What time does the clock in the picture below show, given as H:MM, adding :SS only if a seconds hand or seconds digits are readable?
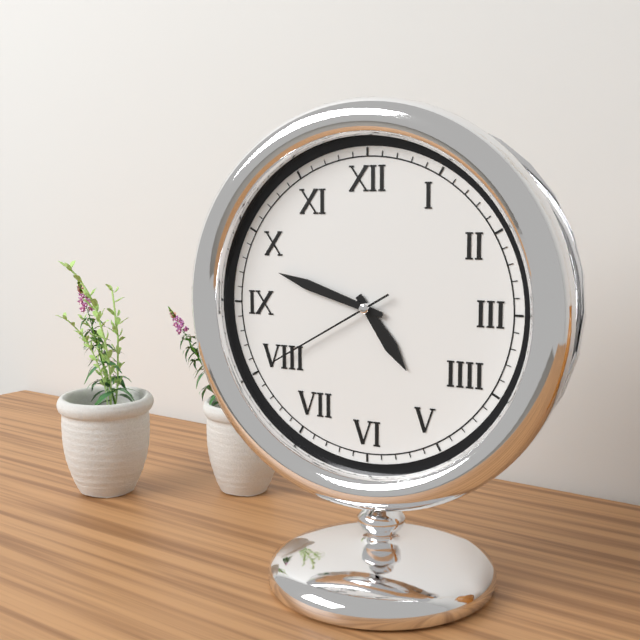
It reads 4:48:40
